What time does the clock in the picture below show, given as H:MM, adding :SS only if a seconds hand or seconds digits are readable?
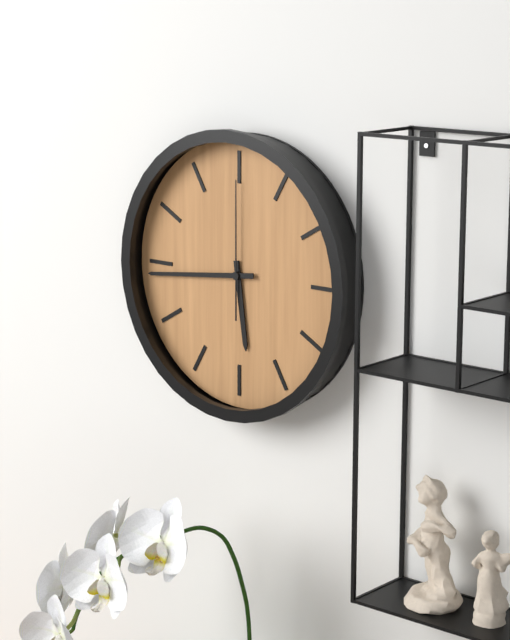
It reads 5:44:00
